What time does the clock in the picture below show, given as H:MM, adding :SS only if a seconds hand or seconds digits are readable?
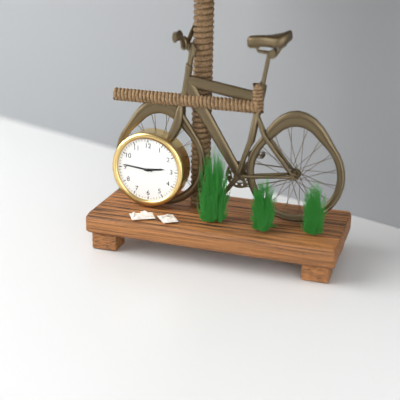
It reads 2:46
